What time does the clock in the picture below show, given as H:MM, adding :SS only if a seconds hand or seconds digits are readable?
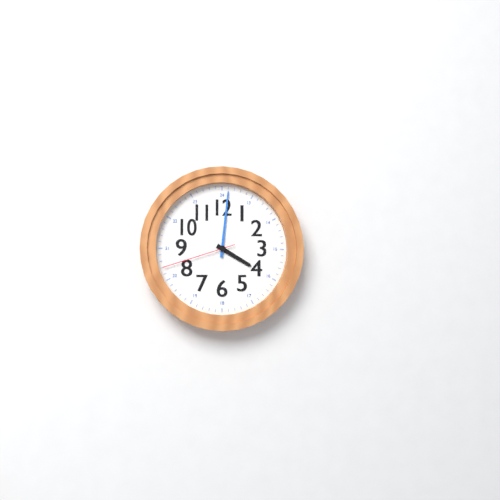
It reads 4:01:42
